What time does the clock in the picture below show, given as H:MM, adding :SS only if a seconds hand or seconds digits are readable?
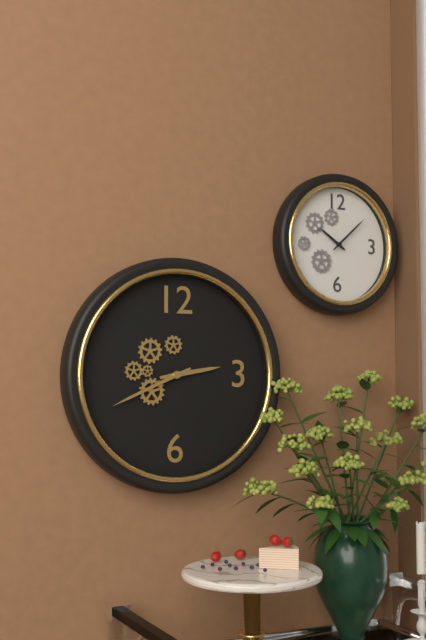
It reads 2:41
